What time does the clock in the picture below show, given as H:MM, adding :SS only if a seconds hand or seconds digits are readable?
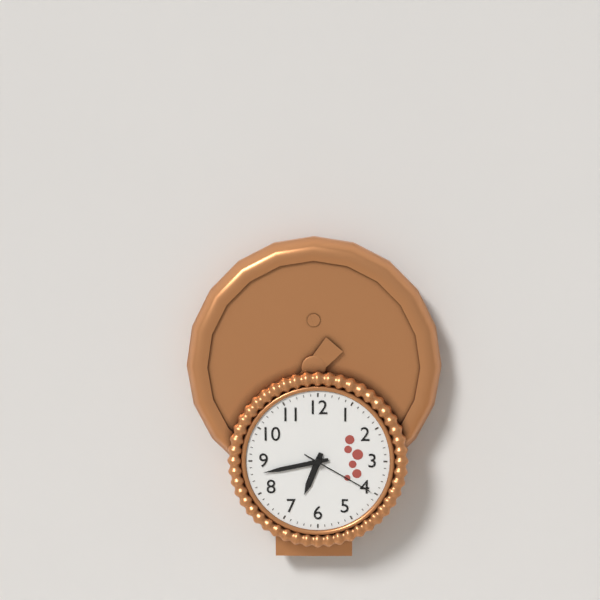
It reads 6:43:20
